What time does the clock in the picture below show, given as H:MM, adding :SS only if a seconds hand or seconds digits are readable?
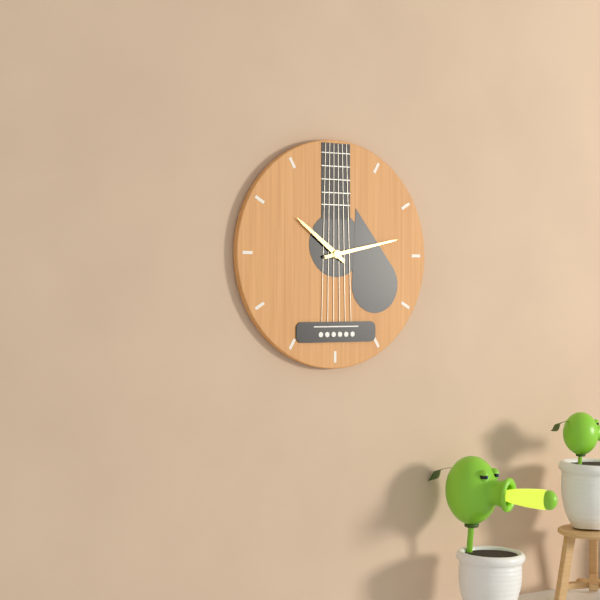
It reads 10:13
